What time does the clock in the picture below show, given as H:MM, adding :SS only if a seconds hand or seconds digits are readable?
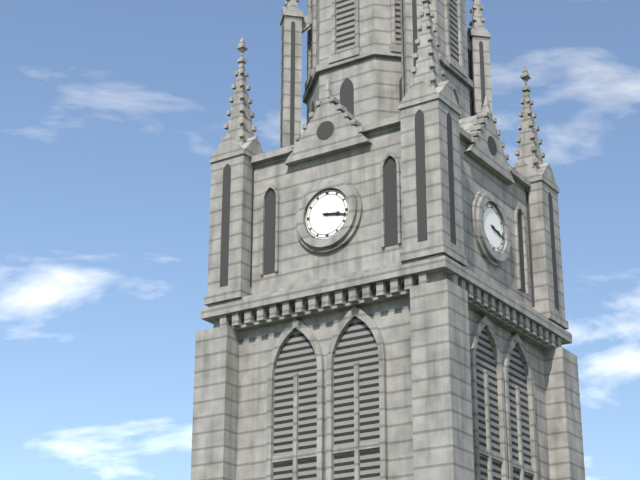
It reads 3:17
